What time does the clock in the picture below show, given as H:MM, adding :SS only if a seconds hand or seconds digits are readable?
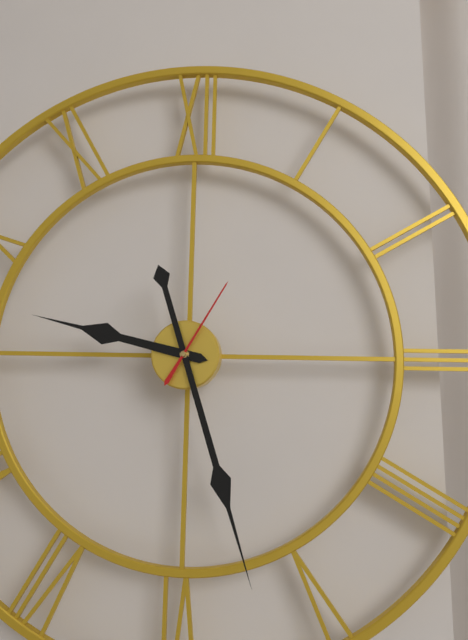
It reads 9:27:05
